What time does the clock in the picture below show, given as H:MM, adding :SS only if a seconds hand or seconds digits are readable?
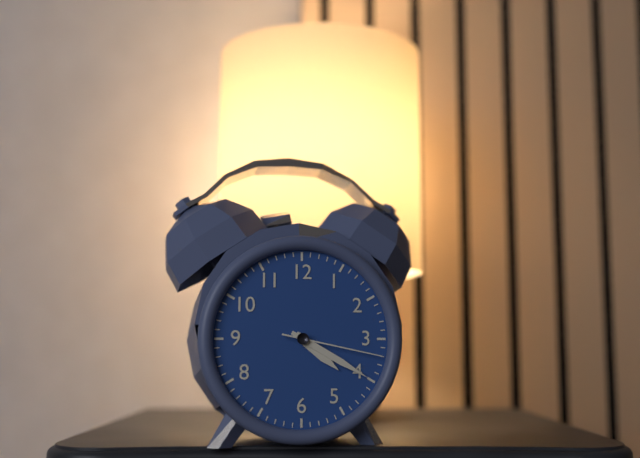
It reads 4:20:17
